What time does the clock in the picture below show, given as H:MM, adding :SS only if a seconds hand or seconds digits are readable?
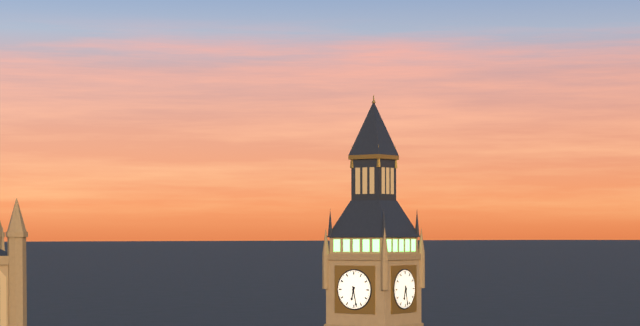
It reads 6:28
